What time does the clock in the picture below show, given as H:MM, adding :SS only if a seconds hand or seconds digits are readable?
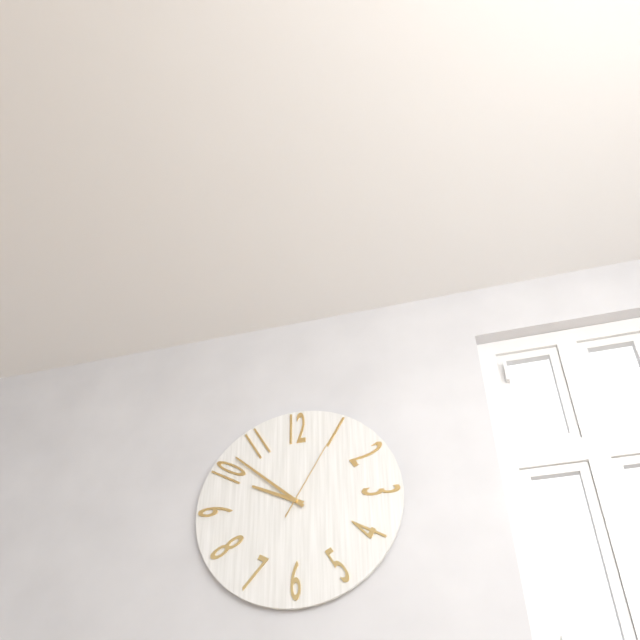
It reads 9:52:05
